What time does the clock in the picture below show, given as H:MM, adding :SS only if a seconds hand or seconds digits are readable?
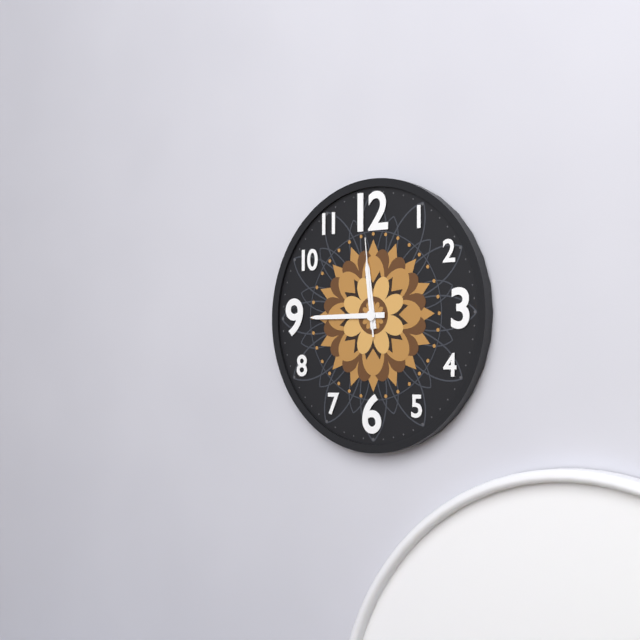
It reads 11:45:59
